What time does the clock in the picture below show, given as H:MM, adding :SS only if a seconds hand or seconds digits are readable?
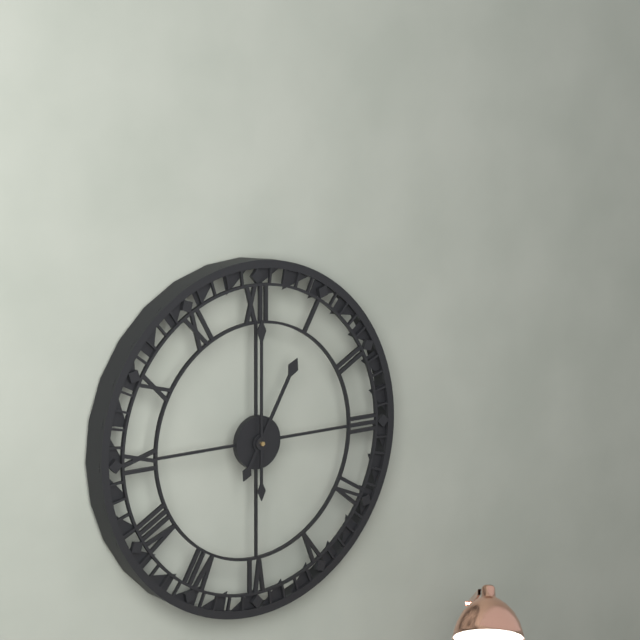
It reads 1:00
